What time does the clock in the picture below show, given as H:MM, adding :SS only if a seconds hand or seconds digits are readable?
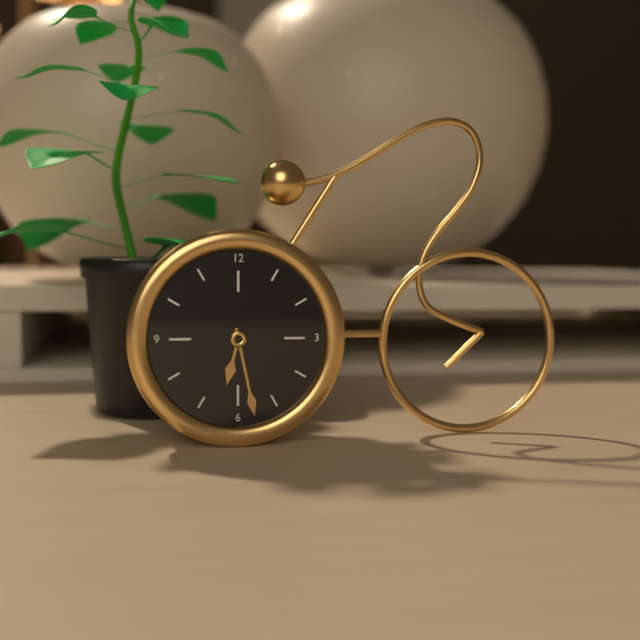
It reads 6:28
